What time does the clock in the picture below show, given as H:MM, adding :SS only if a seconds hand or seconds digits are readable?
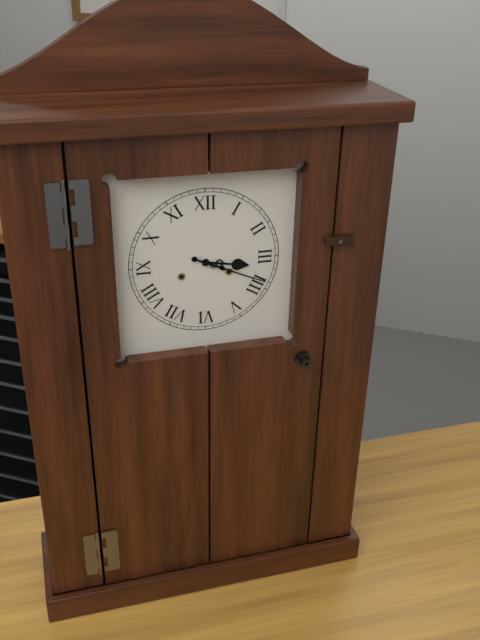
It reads 3:19
